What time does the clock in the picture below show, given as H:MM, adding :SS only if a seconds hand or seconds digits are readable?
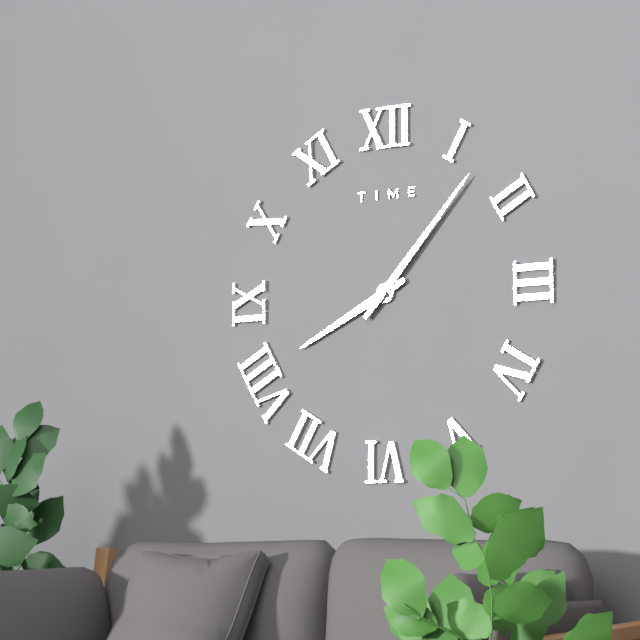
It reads 8:07
